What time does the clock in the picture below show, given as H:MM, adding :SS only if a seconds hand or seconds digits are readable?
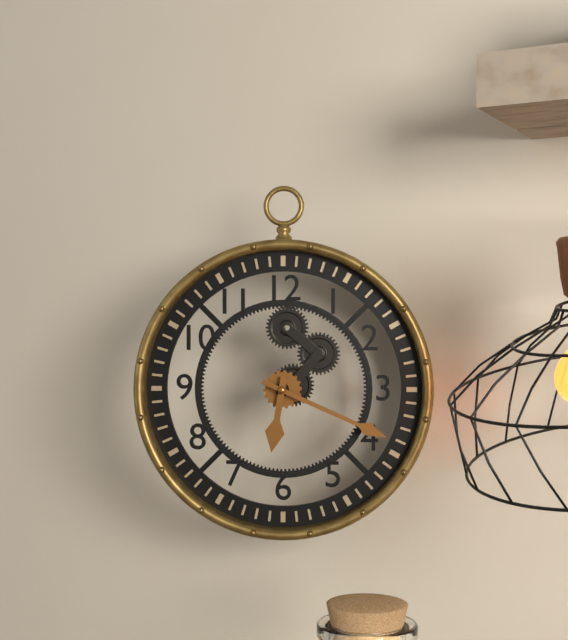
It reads 6:19
